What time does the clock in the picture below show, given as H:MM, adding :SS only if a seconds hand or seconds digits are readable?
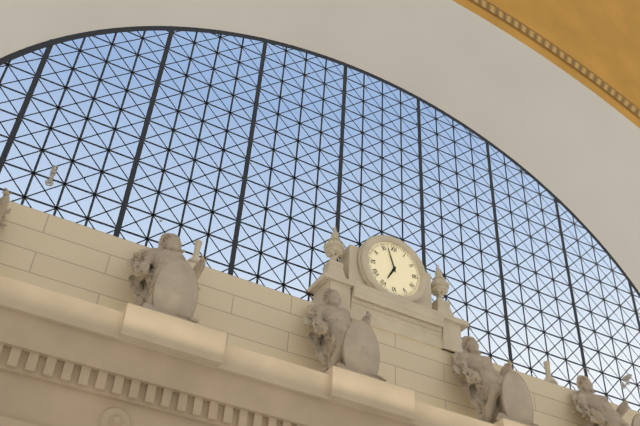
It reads 6:57
